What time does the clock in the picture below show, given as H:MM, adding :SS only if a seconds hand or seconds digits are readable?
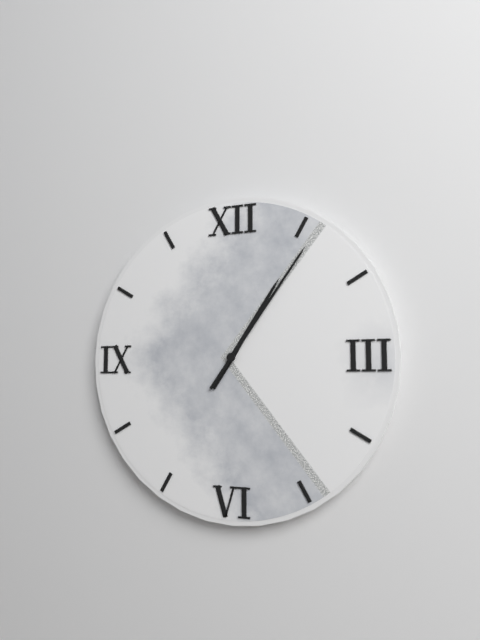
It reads 1:06
